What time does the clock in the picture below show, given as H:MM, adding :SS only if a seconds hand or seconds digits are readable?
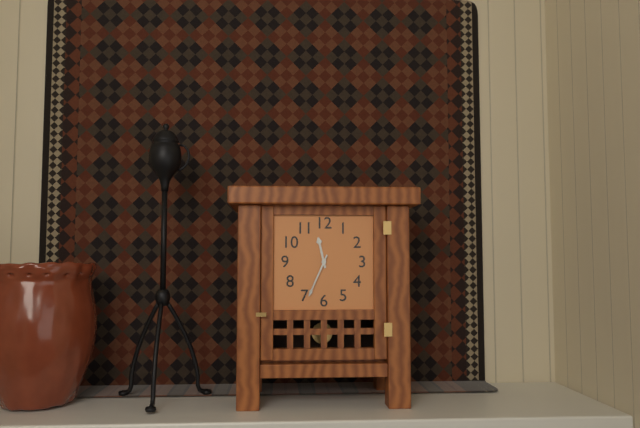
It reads 11:34
